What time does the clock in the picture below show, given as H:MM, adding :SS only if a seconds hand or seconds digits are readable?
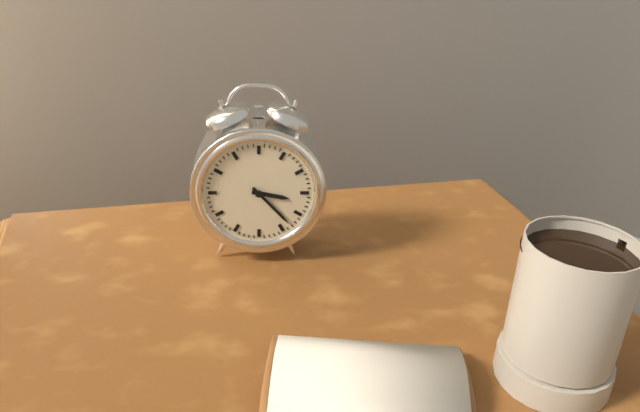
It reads 3:23
